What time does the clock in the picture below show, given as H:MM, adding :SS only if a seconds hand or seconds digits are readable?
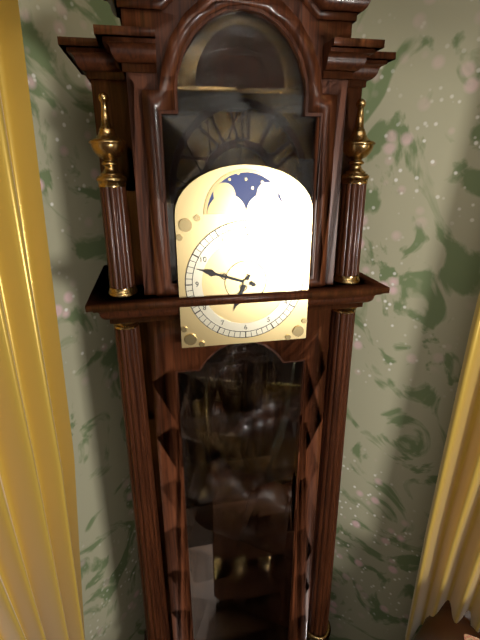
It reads 6:48
